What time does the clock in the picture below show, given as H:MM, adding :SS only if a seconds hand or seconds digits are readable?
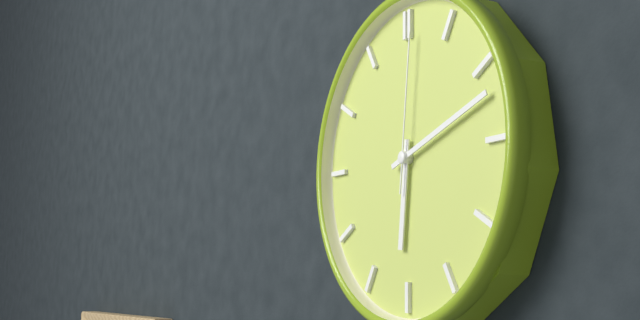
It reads 6:12:01
